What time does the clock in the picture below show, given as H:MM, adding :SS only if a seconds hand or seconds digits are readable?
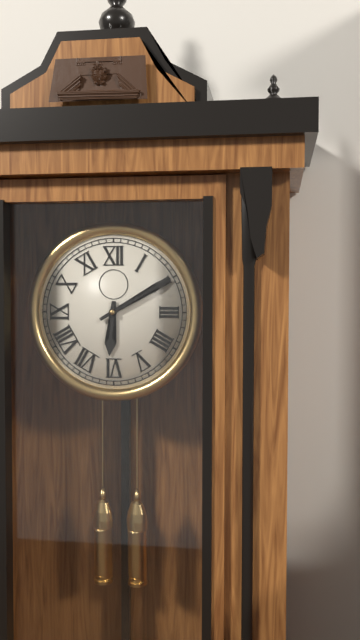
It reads 6:10
